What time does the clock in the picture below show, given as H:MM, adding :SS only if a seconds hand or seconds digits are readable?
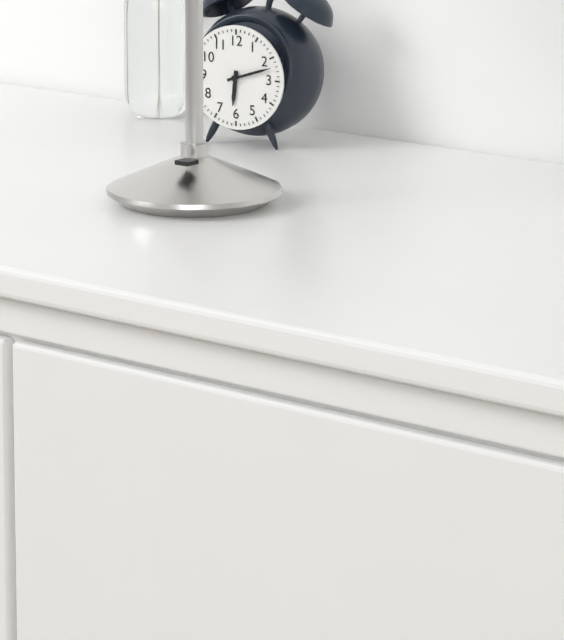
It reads 6:12
